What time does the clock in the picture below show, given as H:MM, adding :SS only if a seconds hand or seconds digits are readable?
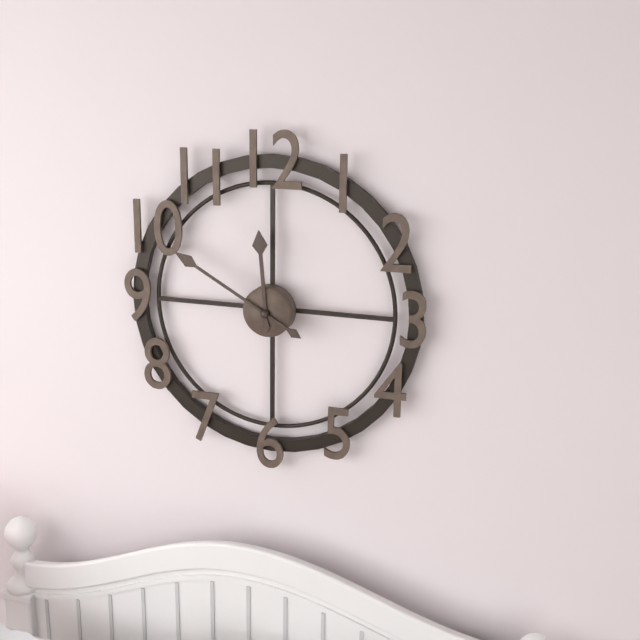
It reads 11:50
